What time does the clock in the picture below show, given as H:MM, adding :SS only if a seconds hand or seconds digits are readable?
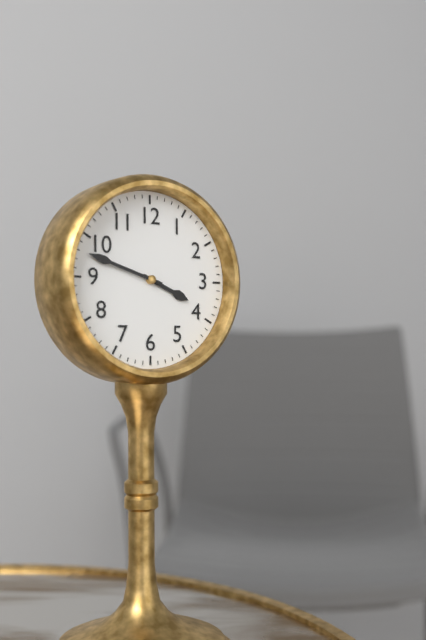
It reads 3:48
